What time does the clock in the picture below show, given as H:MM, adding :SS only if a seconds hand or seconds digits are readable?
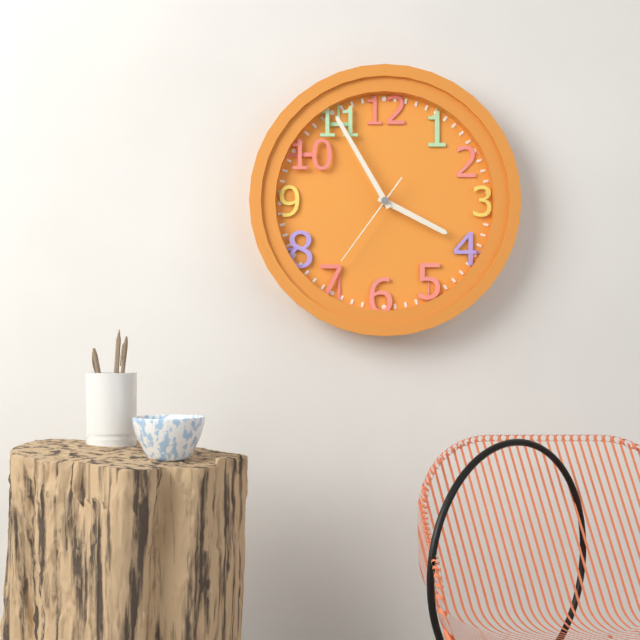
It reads 3:55:36
